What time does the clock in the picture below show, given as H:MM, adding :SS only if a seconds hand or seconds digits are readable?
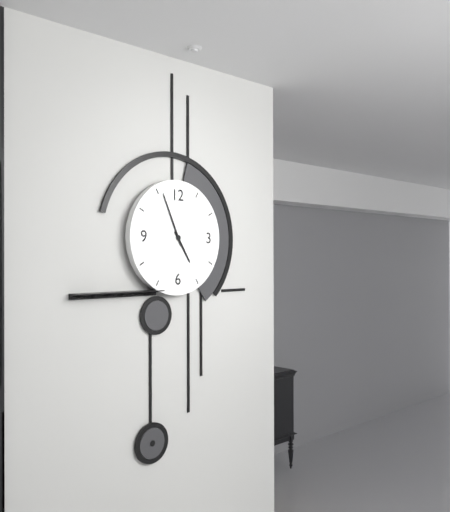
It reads 4:56
